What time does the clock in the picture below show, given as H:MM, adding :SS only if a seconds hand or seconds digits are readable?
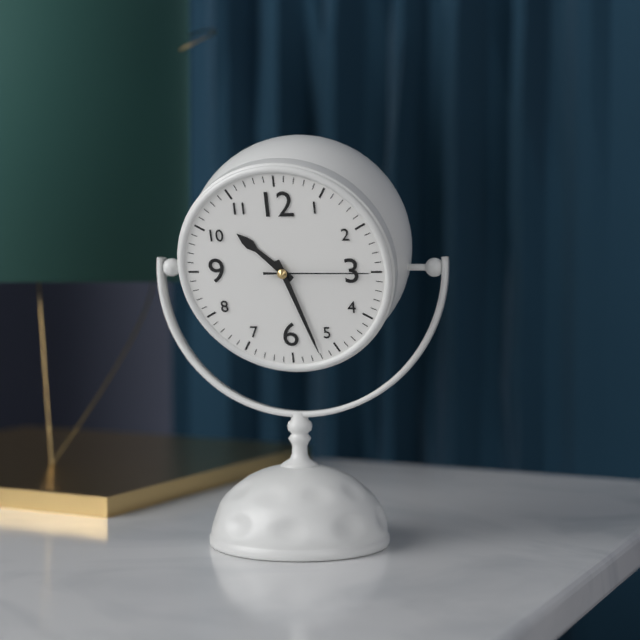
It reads 10:27:15
